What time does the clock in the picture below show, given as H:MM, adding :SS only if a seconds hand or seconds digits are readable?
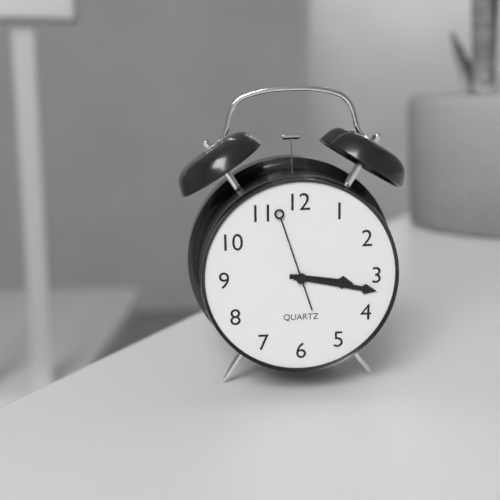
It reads 3:17:57
